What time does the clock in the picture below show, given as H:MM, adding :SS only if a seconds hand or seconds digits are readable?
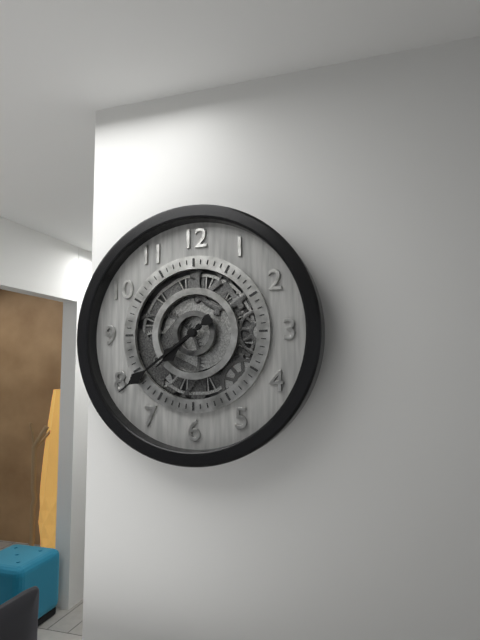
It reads 7:39
